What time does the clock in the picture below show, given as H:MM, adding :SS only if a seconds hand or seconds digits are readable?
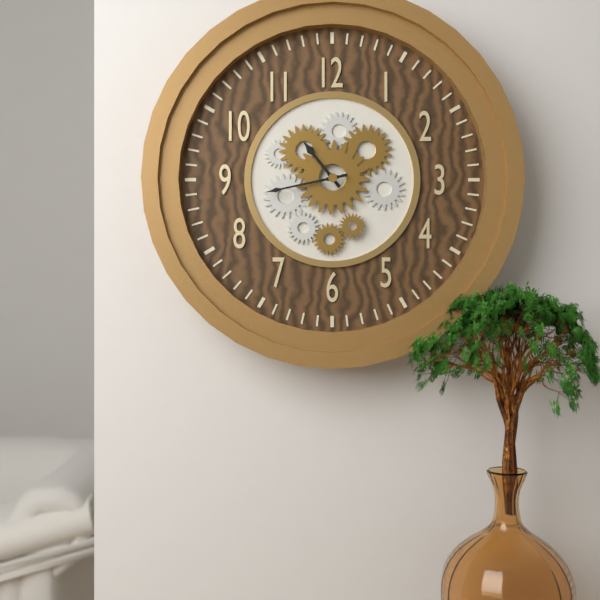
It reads 10:43
